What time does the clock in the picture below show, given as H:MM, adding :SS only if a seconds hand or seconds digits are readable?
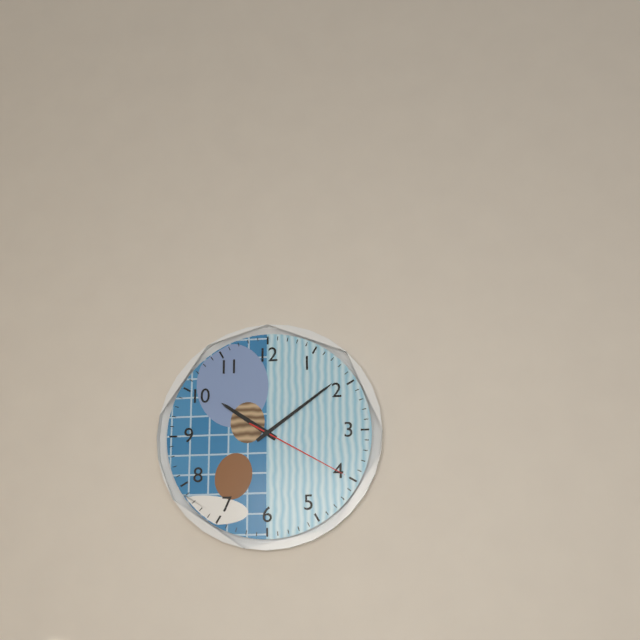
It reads 10:09:20
